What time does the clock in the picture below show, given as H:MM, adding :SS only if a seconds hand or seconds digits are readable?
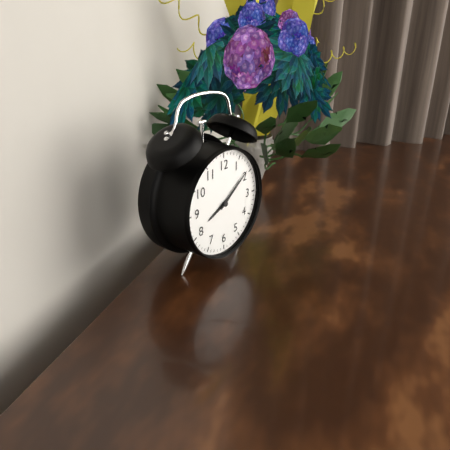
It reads 8:09
